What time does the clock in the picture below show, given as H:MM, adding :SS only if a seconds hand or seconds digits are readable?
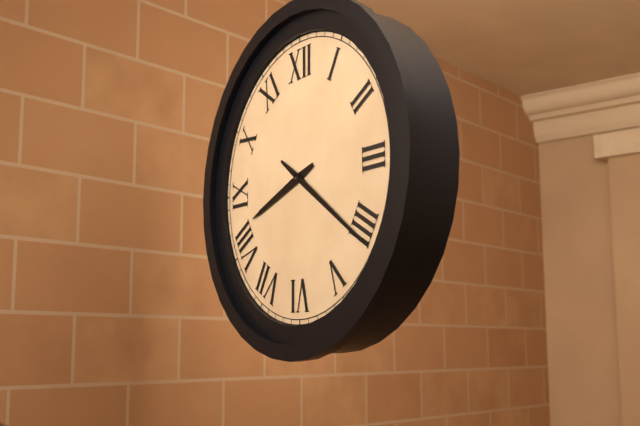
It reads 8:21
